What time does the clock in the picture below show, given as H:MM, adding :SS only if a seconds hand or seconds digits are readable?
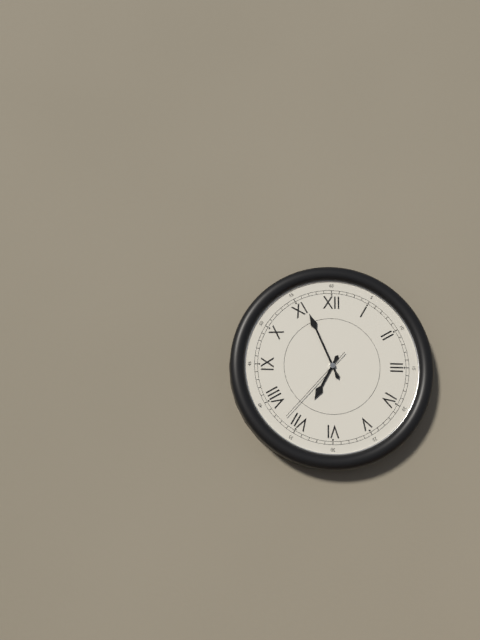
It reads 6:56:37
